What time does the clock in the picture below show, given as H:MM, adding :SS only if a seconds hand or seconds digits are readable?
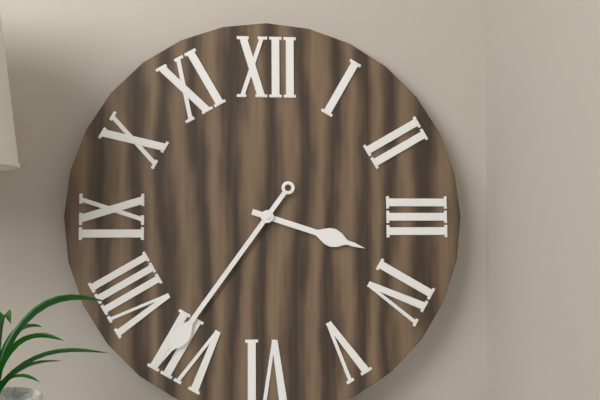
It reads 3:36
